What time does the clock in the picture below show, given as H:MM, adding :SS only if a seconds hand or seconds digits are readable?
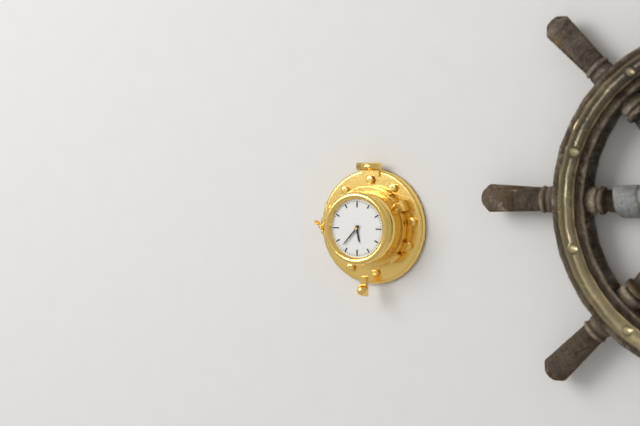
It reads 5:37
